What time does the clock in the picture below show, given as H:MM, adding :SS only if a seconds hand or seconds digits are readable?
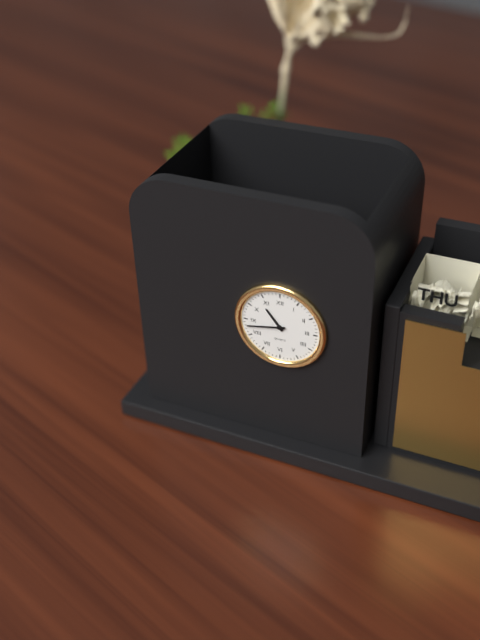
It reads 10:43
